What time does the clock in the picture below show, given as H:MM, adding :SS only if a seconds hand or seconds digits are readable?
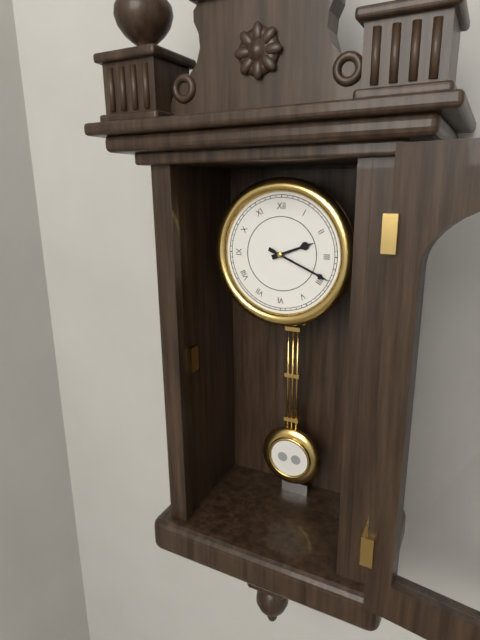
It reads 2:19
